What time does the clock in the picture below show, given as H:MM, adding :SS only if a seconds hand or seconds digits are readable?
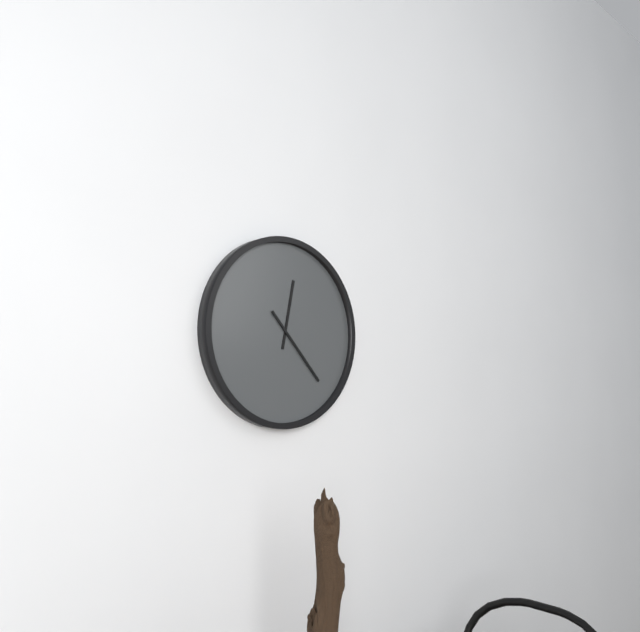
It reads 12:23
